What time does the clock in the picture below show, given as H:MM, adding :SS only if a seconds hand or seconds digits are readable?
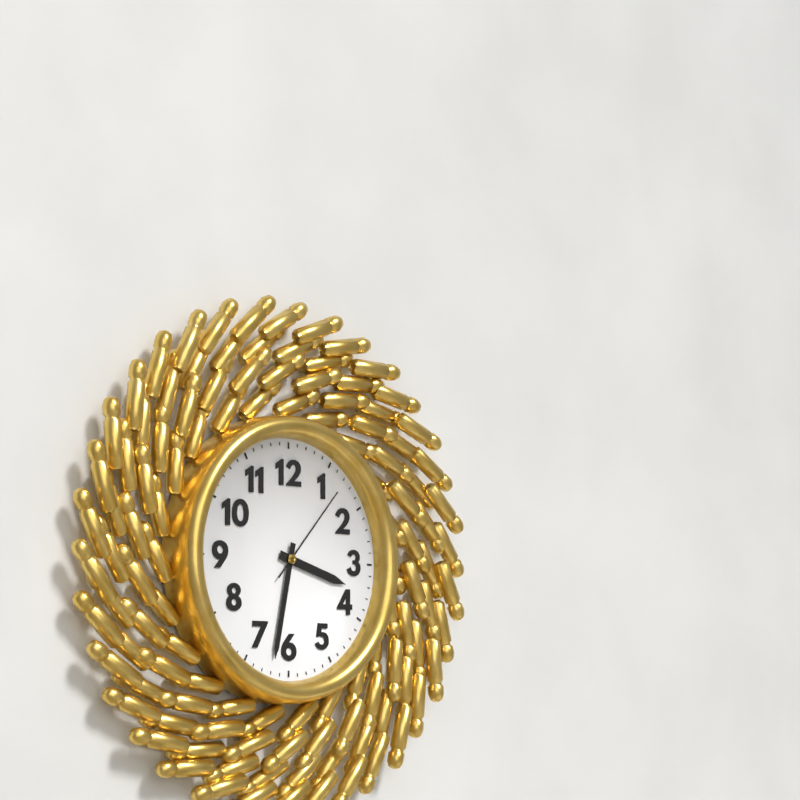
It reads 3:32:07
